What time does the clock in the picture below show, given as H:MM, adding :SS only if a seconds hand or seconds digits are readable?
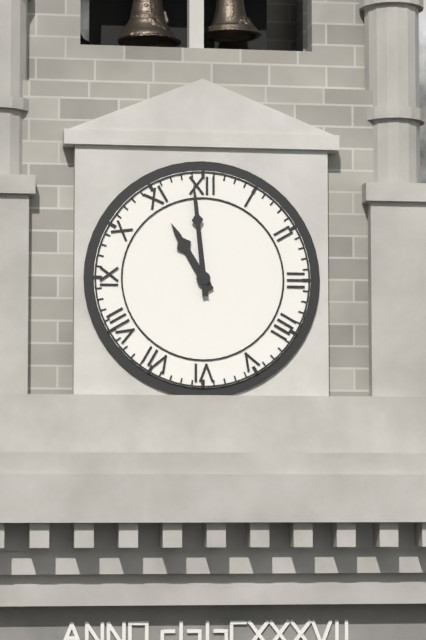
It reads 10:59
